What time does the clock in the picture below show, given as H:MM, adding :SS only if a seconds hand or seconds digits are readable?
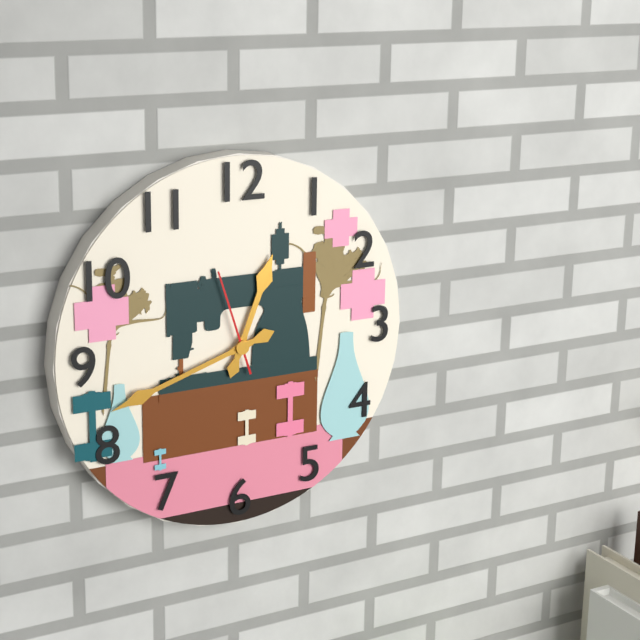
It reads 12:42:57
